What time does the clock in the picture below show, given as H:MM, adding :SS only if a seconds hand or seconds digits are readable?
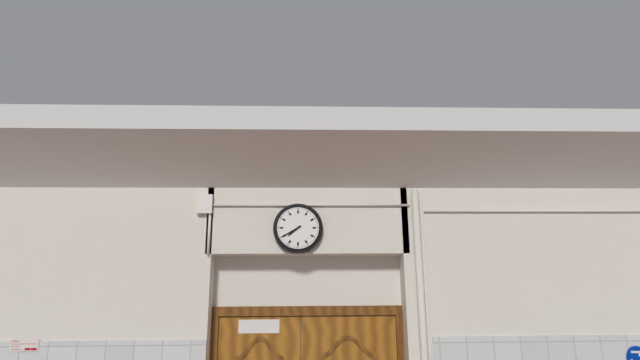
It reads 7:40
